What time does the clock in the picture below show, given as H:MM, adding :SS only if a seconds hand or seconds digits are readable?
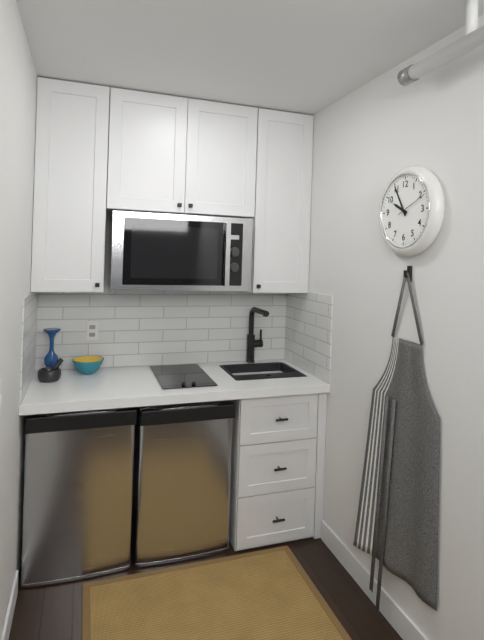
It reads 9:55
